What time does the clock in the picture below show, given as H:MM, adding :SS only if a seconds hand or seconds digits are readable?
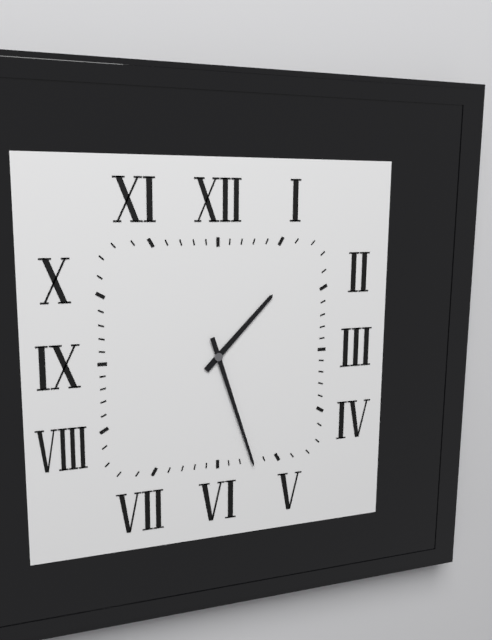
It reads 1:27
